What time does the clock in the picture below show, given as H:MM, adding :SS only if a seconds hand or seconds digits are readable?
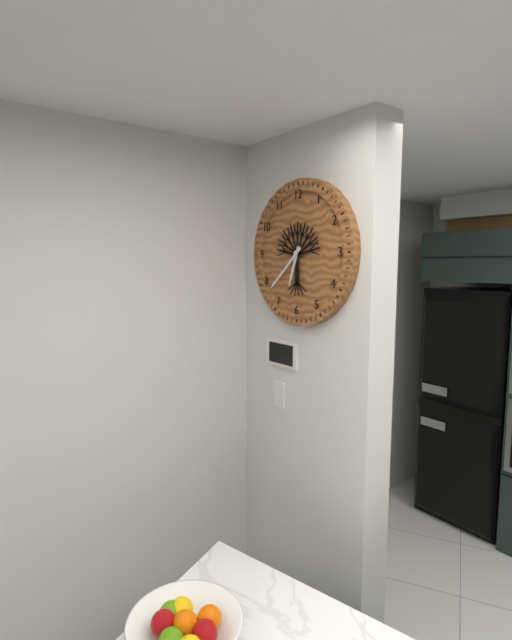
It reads 6:38
